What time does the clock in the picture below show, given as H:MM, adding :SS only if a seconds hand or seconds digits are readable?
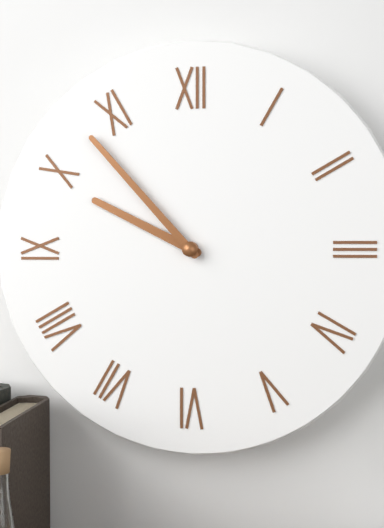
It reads 9:53
